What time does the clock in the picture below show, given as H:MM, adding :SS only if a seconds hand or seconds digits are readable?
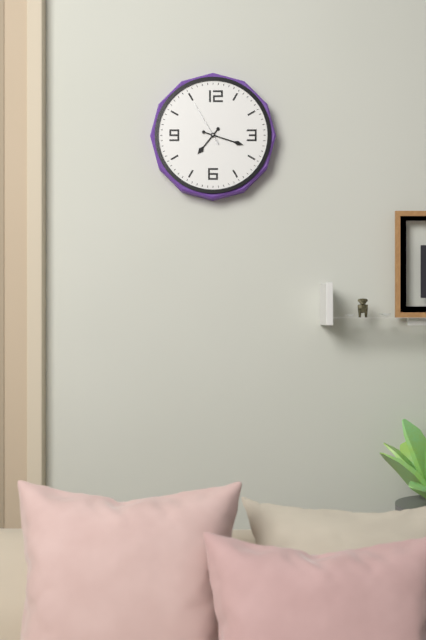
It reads 7:18
